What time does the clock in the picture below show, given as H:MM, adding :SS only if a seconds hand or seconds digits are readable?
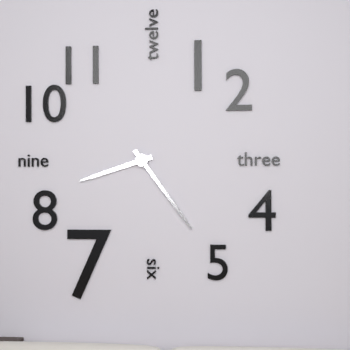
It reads 8:24
